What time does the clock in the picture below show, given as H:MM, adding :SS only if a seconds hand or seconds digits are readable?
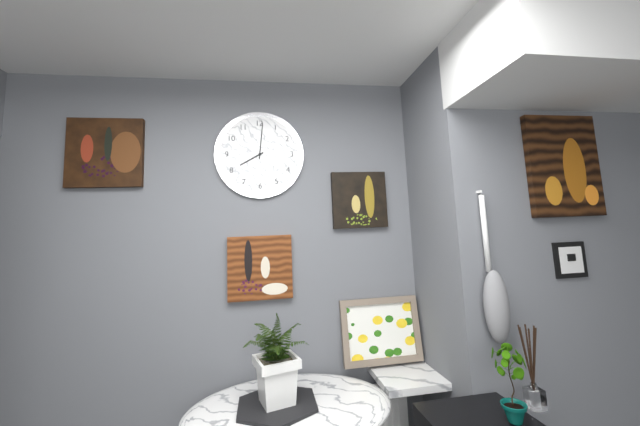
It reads 8:01
